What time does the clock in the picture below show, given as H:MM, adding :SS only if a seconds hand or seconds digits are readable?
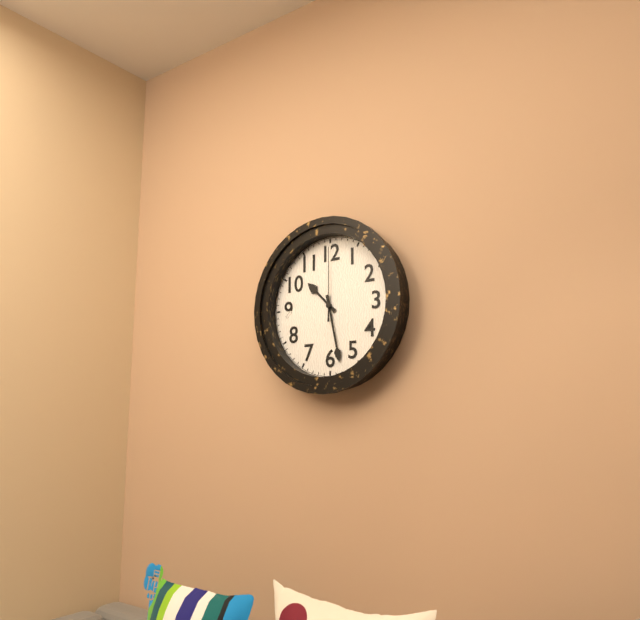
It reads 10:28:00
